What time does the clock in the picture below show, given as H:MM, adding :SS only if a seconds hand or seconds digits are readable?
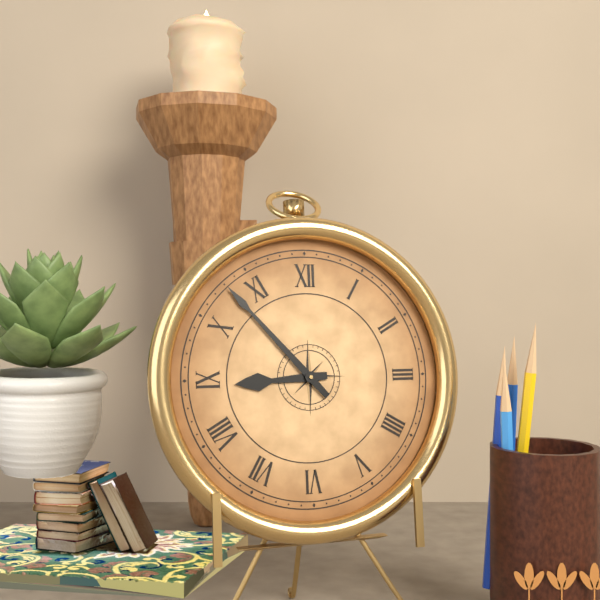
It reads 8:53
